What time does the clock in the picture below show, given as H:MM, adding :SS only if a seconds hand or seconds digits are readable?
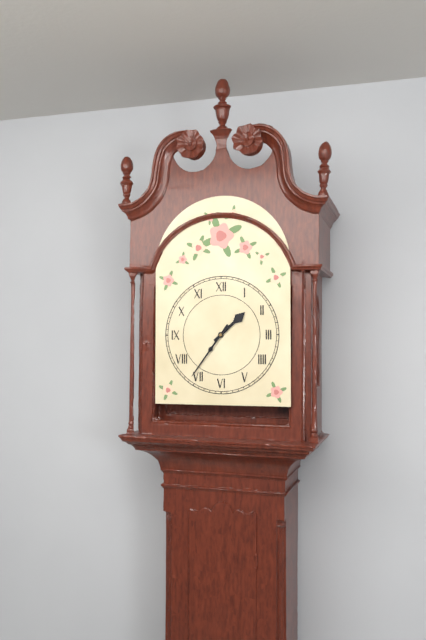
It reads 1:36
